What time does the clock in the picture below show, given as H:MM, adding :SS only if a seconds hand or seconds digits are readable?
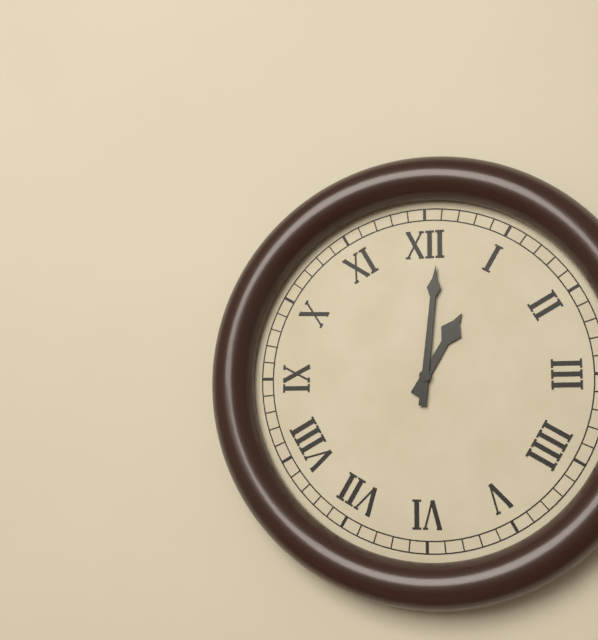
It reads 1:01
